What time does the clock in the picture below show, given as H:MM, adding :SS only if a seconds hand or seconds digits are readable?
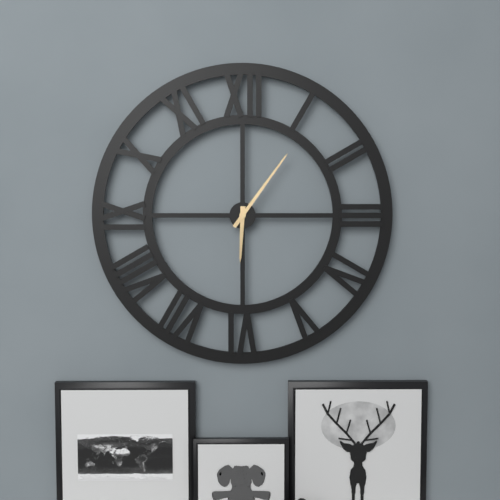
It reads 6:06
